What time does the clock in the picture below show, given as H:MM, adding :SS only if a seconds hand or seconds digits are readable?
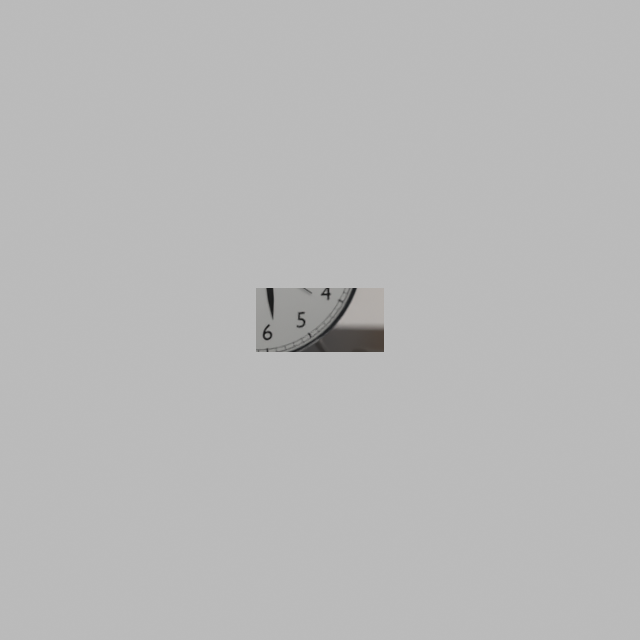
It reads 5:49:21
